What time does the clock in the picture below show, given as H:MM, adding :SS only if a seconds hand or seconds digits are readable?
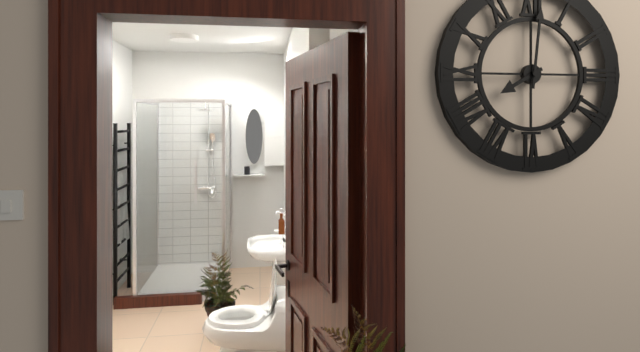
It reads 8:01
